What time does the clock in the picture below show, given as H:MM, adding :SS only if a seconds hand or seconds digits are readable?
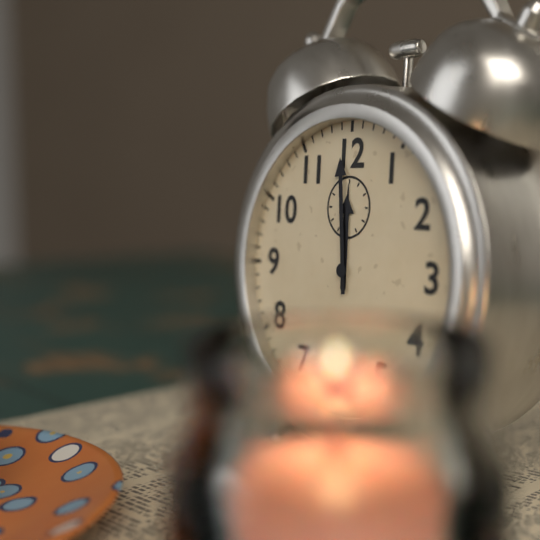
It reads 11:59
